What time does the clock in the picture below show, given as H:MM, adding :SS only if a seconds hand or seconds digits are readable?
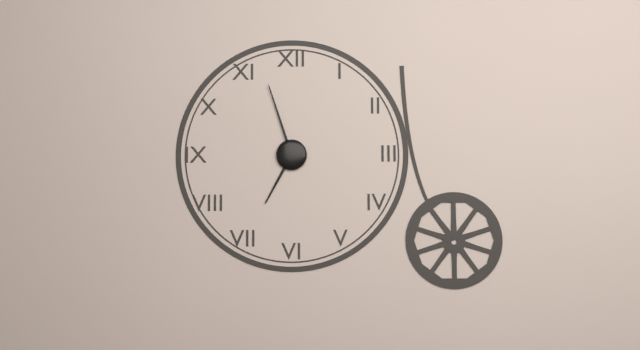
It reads 6:57
